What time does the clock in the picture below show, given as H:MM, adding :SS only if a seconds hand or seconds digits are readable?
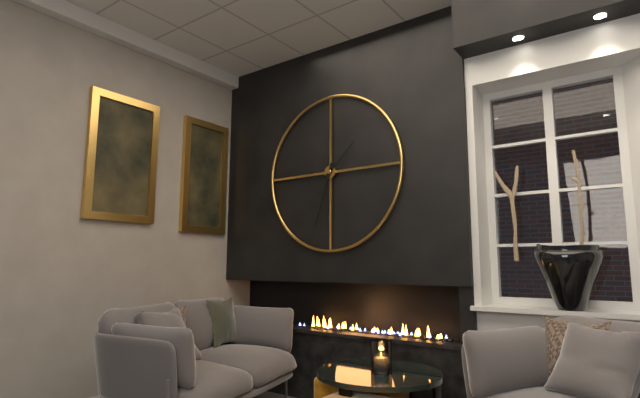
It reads 1:33
